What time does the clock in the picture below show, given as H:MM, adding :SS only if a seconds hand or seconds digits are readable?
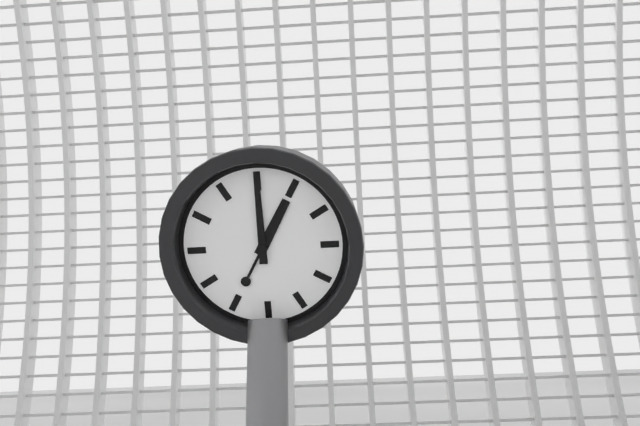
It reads 1:00
